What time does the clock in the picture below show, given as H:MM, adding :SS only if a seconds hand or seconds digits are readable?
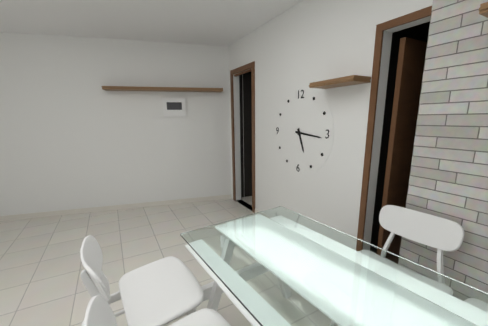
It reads 5:16
